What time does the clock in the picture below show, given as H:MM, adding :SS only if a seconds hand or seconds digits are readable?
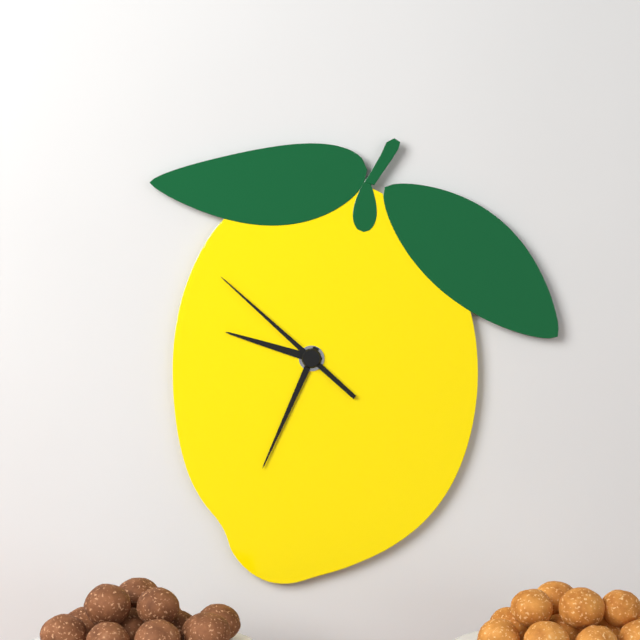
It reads 9:34:52
